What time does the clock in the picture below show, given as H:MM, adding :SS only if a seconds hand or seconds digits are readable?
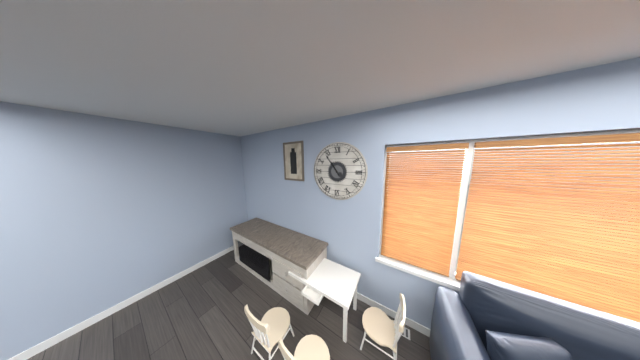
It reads 10:54
